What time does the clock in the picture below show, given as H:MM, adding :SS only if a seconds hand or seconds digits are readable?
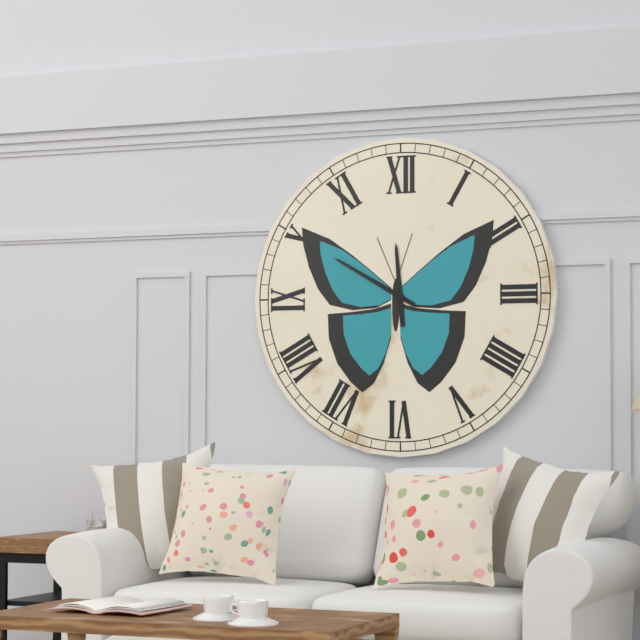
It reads 11:50
